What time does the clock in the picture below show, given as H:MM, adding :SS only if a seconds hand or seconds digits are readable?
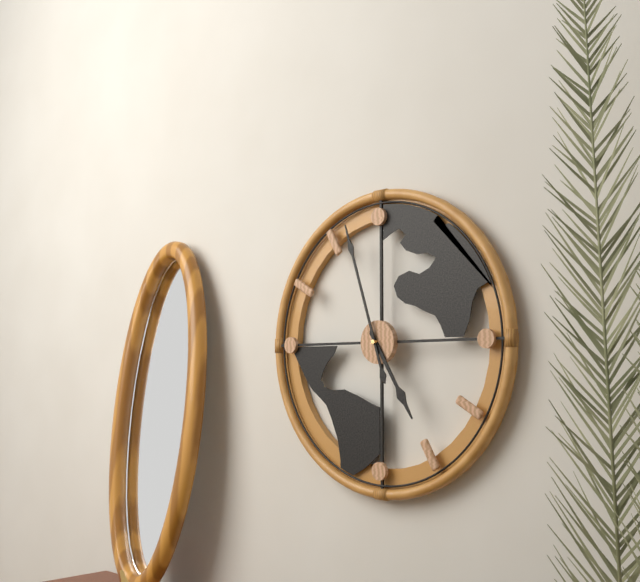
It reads 4:57
